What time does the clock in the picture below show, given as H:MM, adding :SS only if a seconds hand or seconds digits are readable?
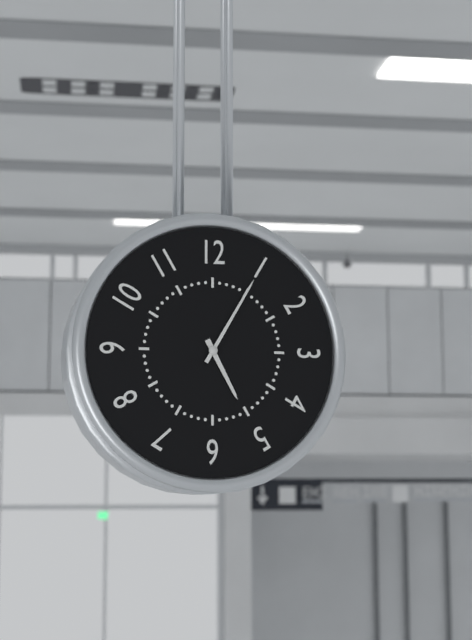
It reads 5:05
